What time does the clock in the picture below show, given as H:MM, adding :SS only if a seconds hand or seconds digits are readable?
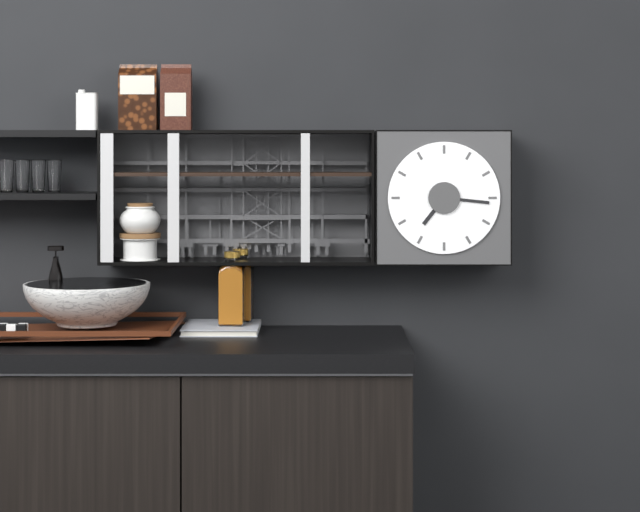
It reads 7:16
